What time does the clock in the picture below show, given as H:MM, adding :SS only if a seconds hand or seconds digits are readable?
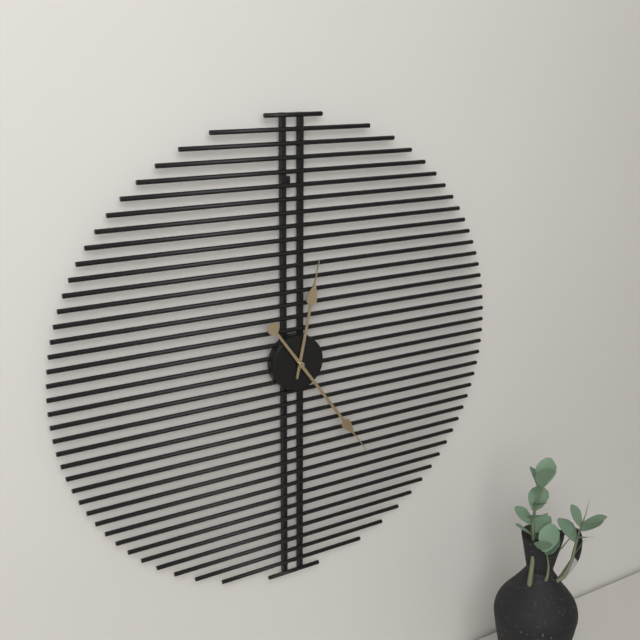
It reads 12:24
